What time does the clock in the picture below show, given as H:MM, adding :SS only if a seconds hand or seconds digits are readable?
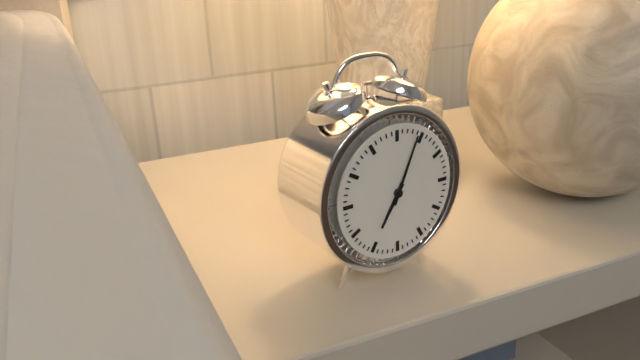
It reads 7:04
